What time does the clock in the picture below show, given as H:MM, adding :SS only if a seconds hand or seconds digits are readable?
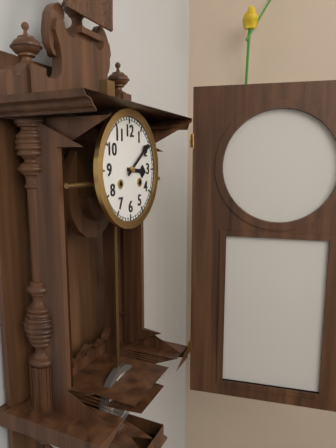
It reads 3:09
